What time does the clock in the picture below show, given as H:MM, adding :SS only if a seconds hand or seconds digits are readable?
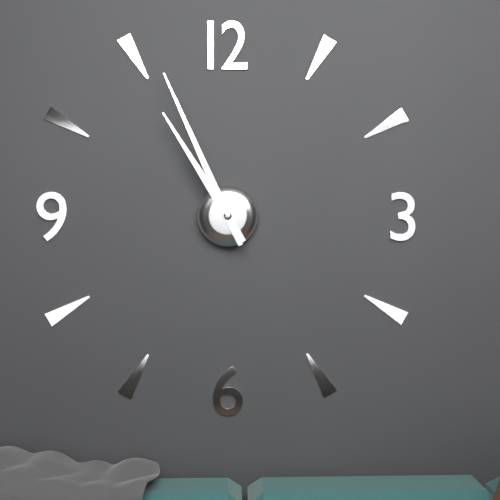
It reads 10:56
